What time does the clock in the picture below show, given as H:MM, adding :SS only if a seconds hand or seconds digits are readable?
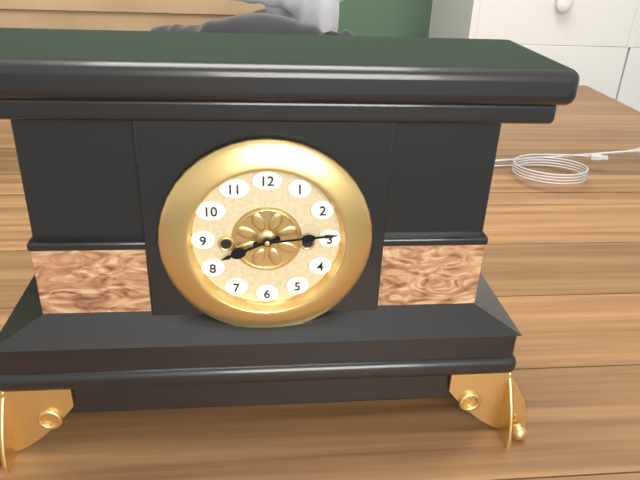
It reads 8:14
